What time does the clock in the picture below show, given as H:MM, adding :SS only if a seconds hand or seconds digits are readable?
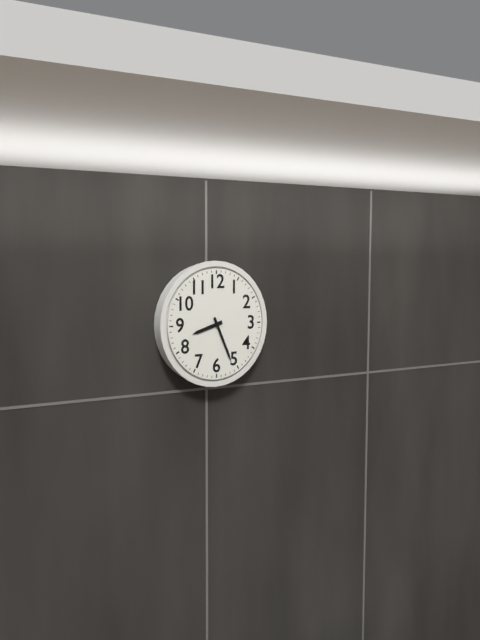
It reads 8:26
